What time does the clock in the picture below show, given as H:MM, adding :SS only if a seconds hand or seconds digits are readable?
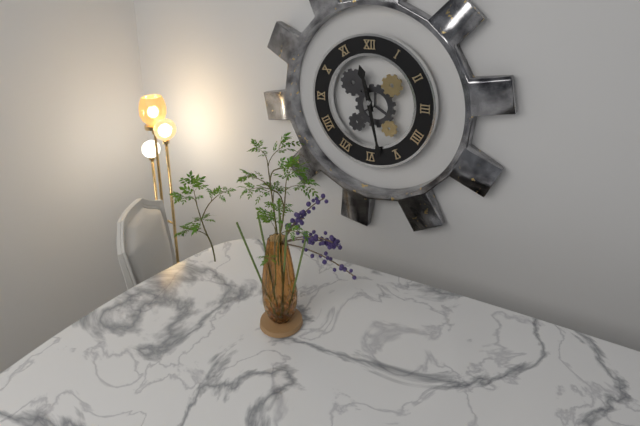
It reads 11:28
